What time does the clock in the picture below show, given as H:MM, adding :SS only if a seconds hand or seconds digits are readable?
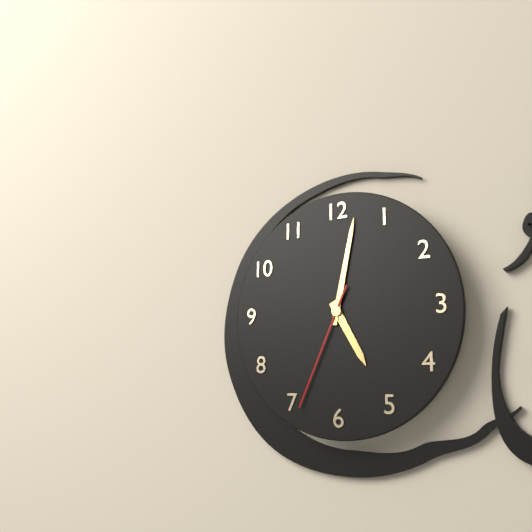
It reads 5:02:34
